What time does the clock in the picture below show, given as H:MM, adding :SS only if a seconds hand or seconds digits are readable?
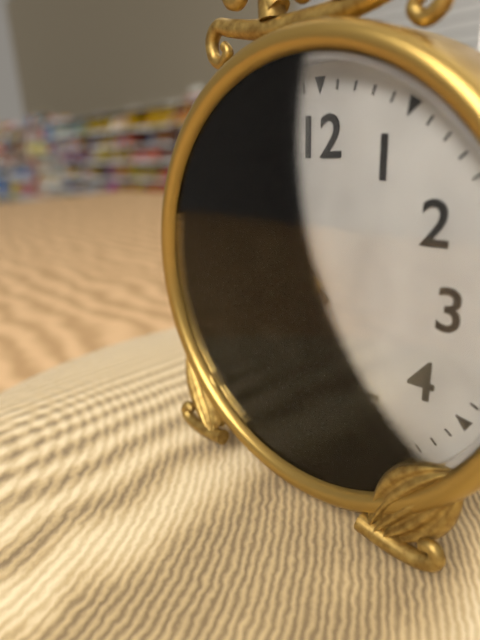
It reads 10:52
